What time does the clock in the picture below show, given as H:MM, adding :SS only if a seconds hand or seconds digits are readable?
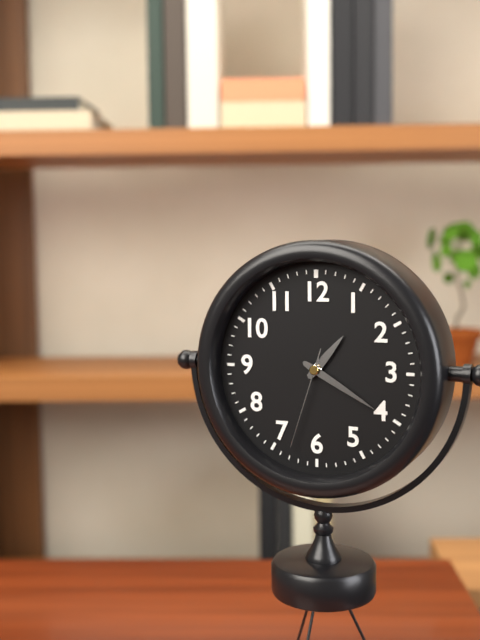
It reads 1:20:33
